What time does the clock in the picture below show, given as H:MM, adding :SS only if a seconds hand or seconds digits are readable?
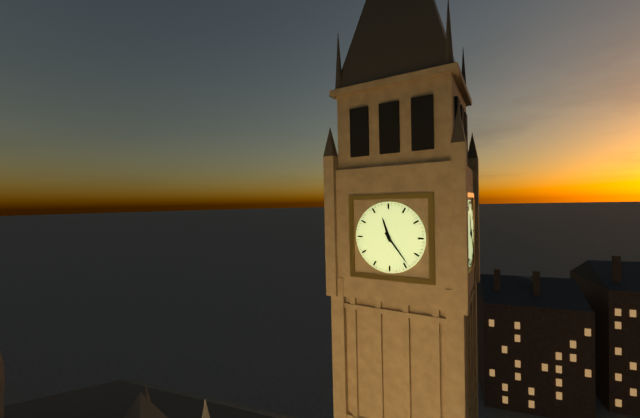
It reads 11:24
